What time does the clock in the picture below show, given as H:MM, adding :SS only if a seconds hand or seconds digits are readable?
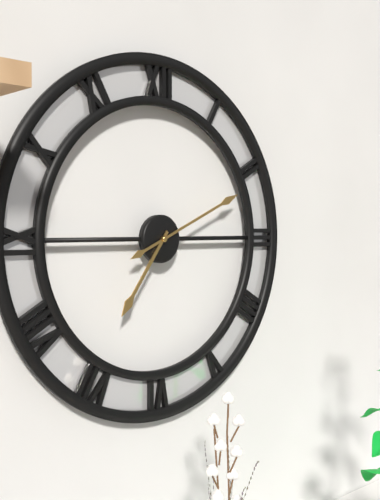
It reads 7:11
